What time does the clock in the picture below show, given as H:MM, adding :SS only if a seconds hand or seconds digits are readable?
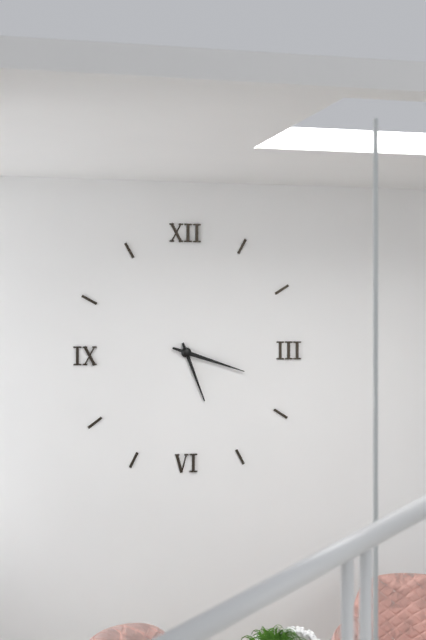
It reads 5:18
